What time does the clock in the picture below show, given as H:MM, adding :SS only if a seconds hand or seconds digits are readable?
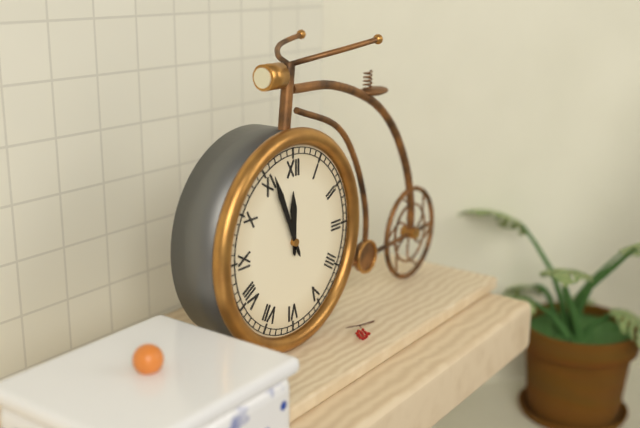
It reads 11:56
